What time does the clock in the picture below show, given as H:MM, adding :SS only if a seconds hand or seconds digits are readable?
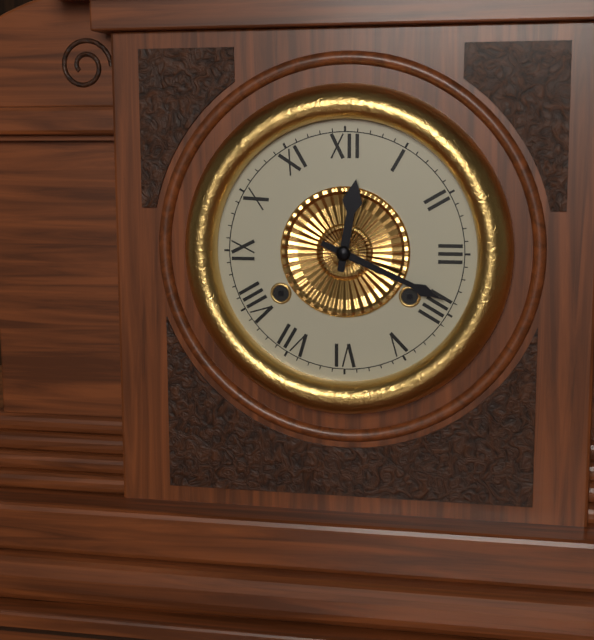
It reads 12:19
